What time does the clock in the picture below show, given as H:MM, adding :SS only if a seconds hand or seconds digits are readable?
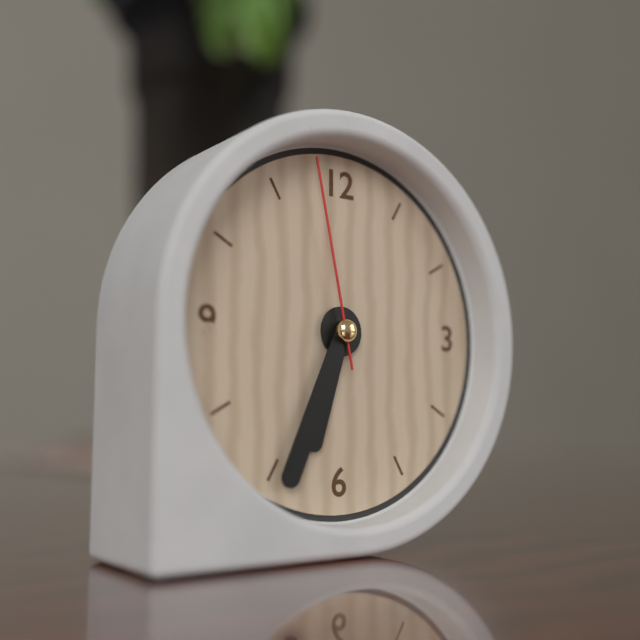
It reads 6:34:58
